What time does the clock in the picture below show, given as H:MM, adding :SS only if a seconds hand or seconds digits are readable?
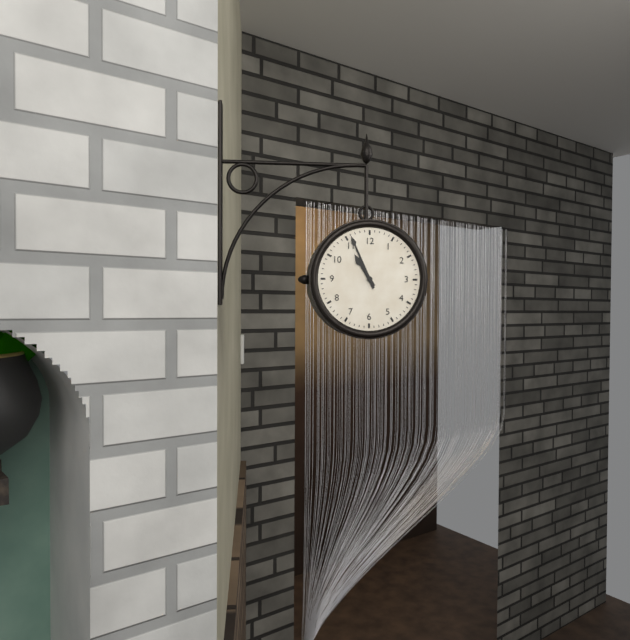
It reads 10:56
